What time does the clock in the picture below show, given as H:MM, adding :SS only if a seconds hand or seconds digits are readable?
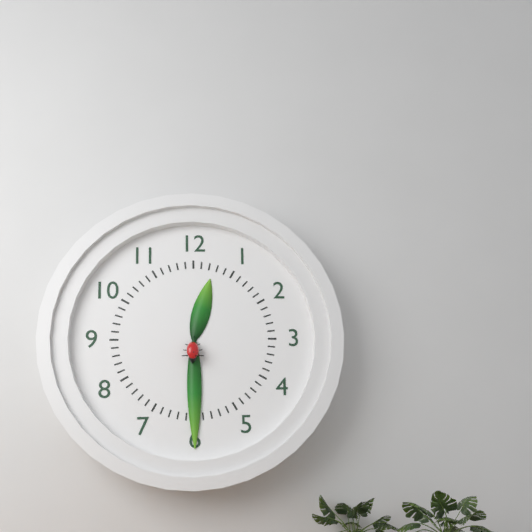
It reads 12:30
